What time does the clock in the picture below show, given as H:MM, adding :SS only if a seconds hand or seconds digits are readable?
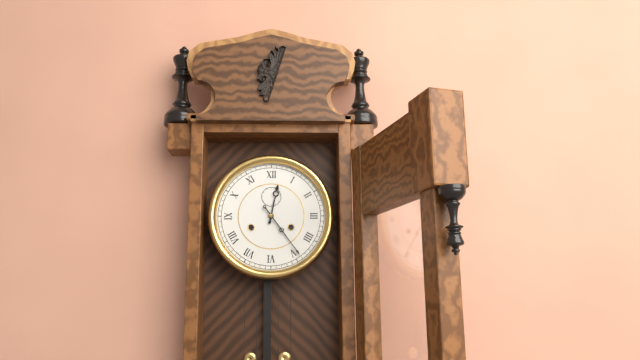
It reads 12:24
